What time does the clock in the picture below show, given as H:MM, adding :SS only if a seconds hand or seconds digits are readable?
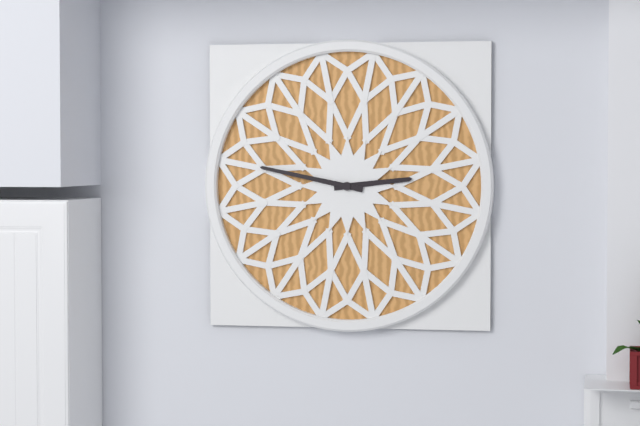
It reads 2:47
